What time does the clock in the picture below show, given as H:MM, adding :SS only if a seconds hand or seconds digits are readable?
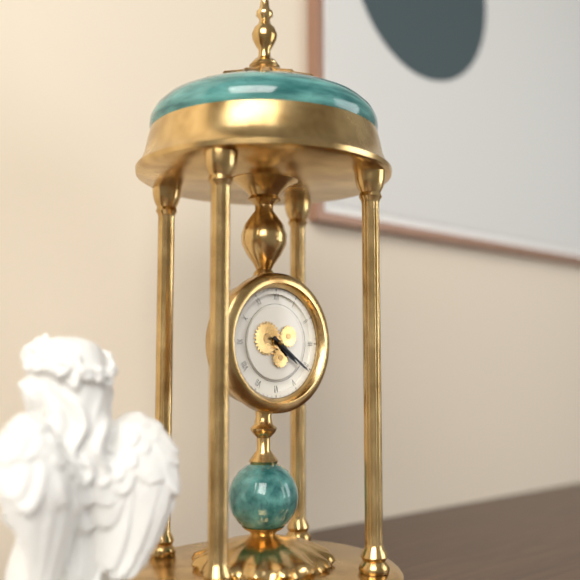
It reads 4:21
